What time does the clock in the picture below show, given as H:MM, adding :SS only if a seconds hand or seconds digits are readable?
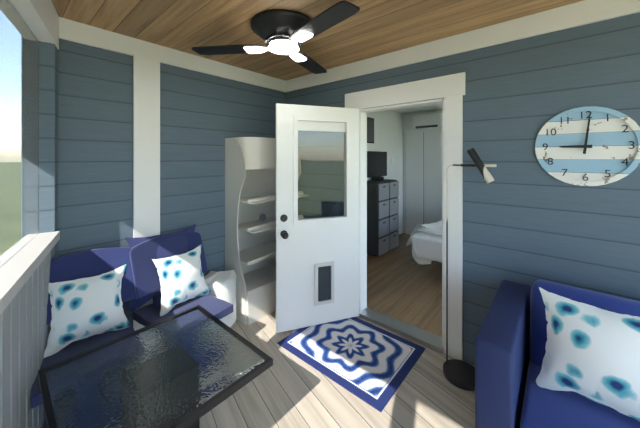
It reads 9:01
